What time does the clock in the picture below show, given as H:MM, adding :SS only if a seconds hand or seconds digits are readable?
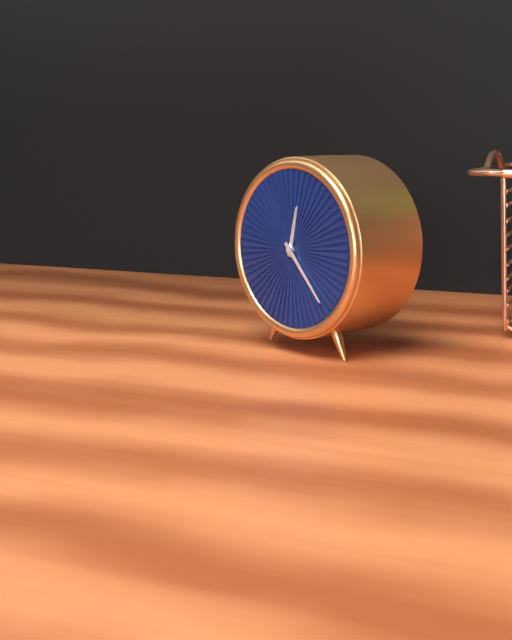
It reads 12:23
